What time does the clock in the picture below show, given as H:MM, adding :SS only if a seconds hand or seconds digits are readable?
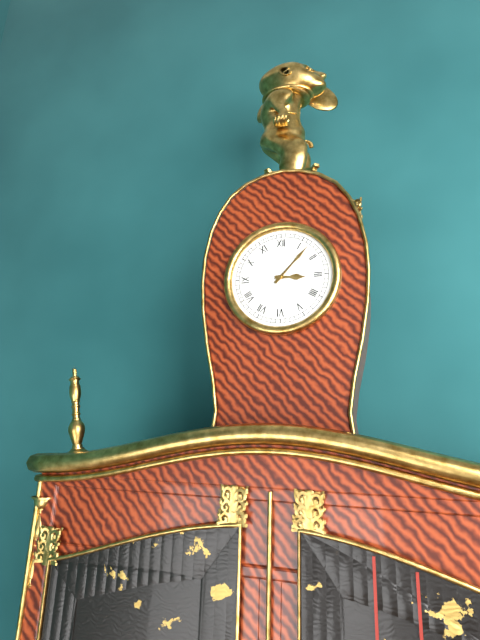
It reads 3:07
